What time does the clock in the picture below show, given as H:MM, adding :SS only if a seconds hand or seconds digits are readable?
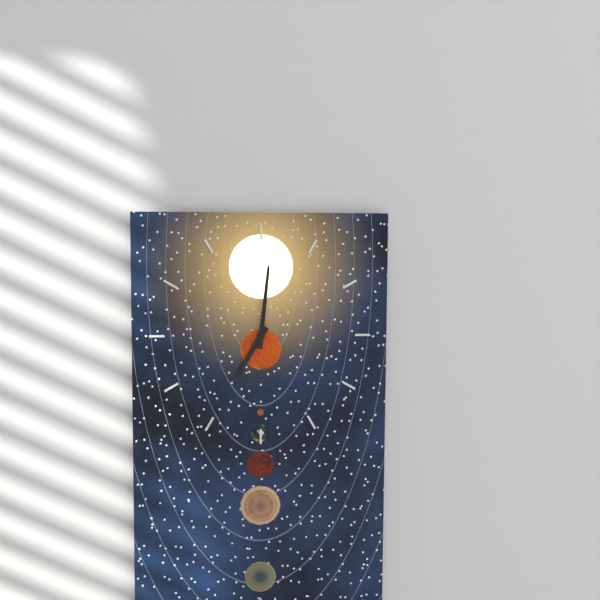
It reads 7:01
